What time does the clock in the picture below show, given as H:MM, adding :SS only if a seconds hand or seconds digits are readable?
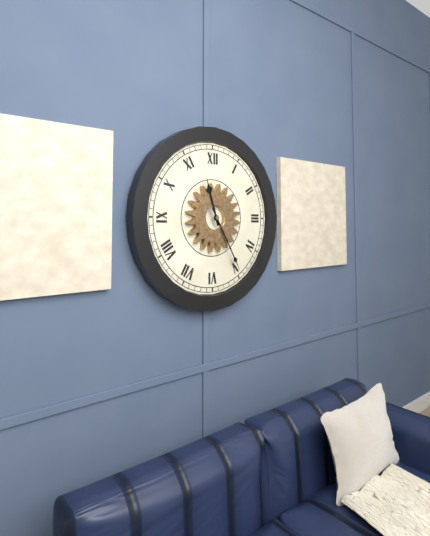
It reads 11:25
